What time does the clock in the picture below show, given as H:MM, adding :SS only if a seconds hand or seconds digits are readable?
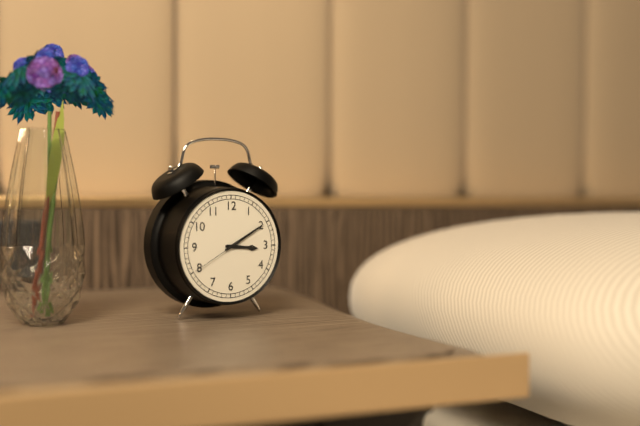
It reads 3:10:40
